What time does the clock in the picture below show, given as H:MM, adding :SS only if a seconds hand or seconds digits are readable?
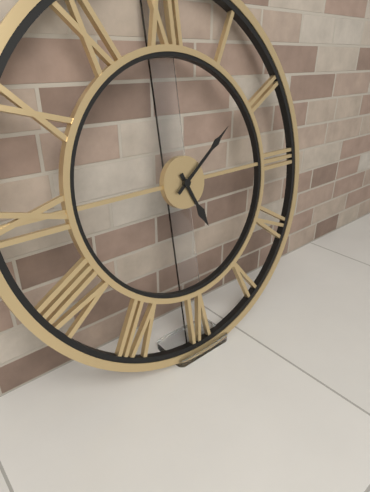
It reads 5:09
